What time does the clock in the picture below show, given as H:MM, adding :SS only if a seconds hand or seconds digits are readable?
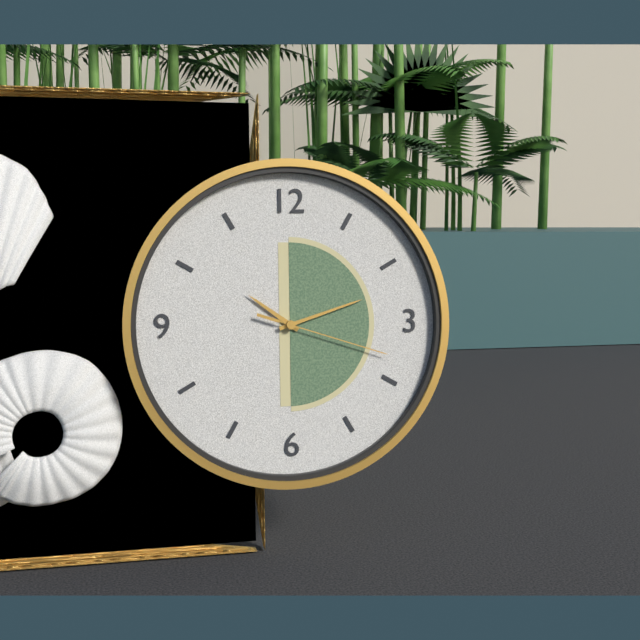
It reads 10:12:18
